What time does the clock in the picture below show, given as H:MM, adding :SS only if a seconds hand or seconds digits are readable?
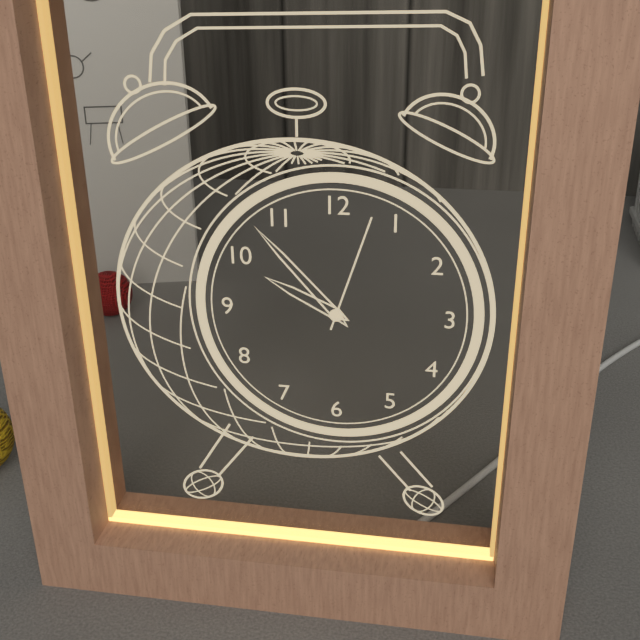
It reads 9:53:03
